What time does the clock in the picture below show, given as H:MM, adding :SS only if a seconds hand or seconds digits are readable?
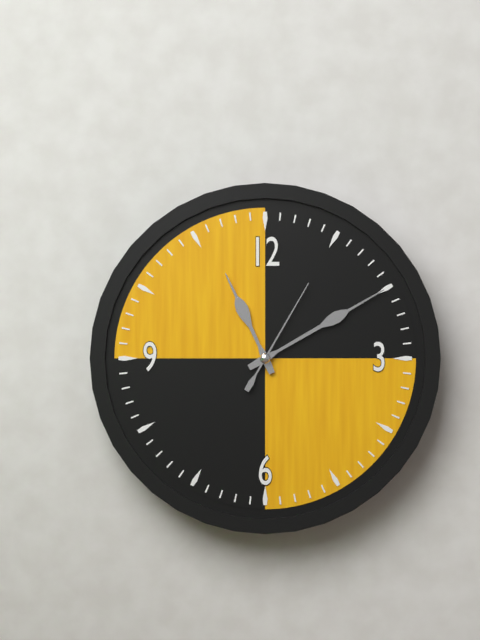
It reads 11:10:05
